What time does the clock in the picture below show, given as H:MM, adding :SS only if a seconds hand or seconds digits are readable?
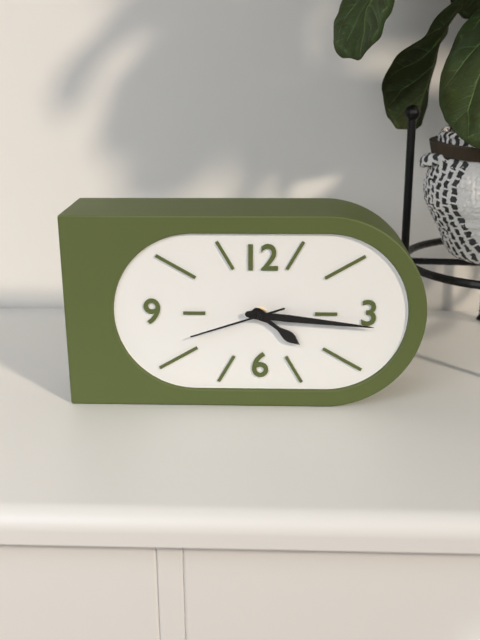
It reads 4:16:42
